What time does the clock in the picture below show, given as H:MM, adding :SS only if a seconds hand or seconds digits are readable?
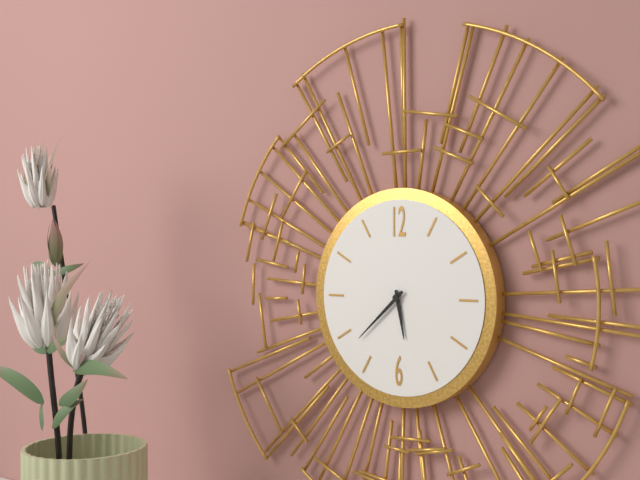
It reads 5:38
